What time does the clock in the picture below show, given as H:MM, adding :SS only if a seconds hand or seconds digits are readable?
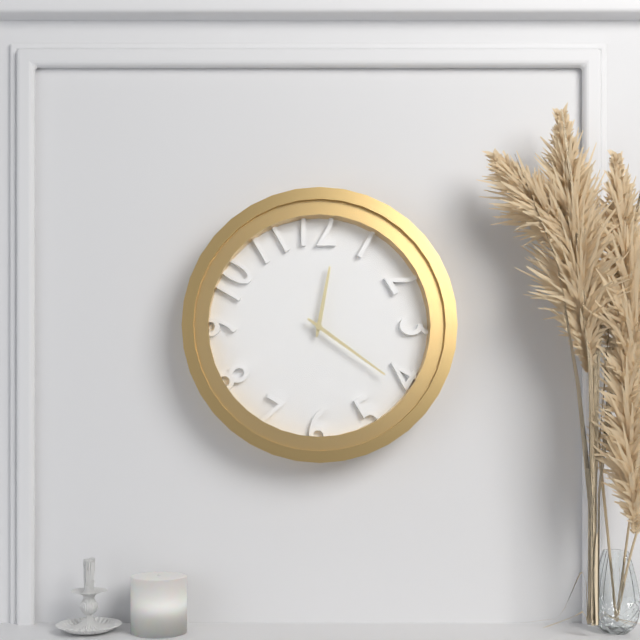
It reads 12:21
